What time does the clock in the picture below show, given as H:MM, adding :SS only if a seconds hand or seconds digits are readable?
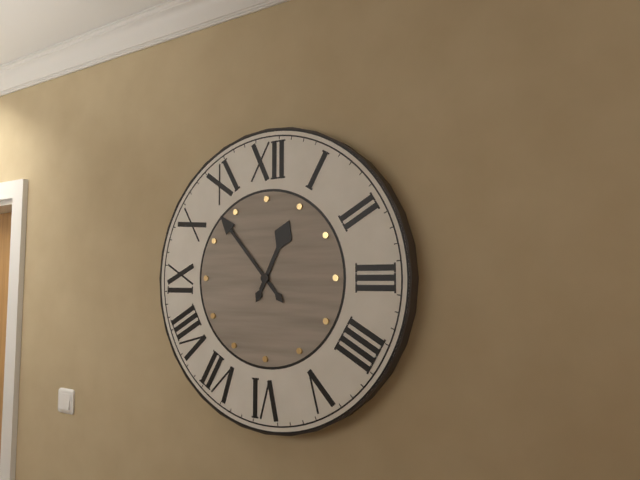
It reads 12:53
